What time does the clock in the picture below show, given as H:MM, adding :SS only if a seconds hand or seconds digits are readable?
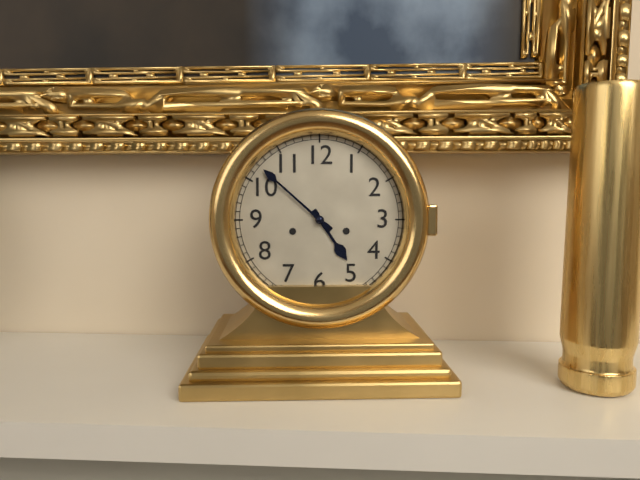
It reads 4:52
